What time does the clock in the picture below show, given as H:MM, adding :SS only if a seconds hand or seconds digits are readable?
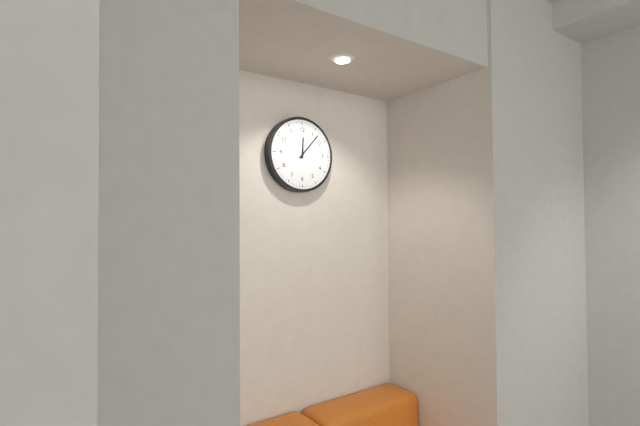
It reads 12:07
